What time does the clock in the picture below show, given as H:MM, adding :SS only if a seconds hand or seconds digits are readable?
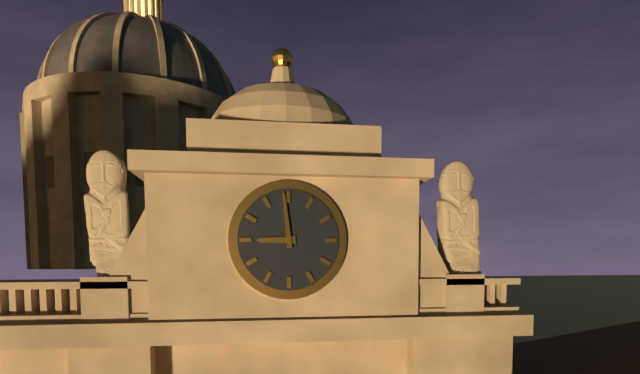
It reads 8:59
